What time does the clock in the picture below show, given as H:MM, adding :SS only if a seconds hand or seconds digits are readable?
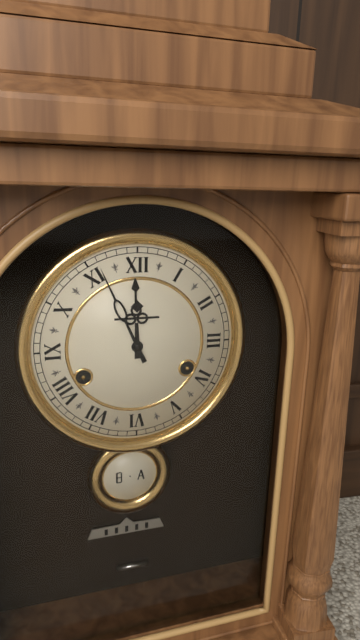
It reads 11:56
